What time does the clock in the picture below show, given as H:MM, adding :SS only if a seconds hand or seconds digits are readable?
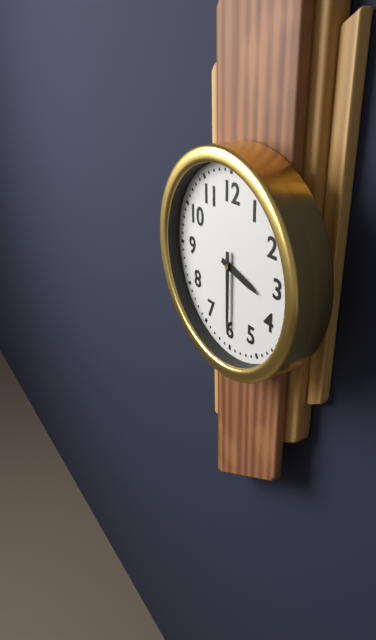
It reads 3:30
